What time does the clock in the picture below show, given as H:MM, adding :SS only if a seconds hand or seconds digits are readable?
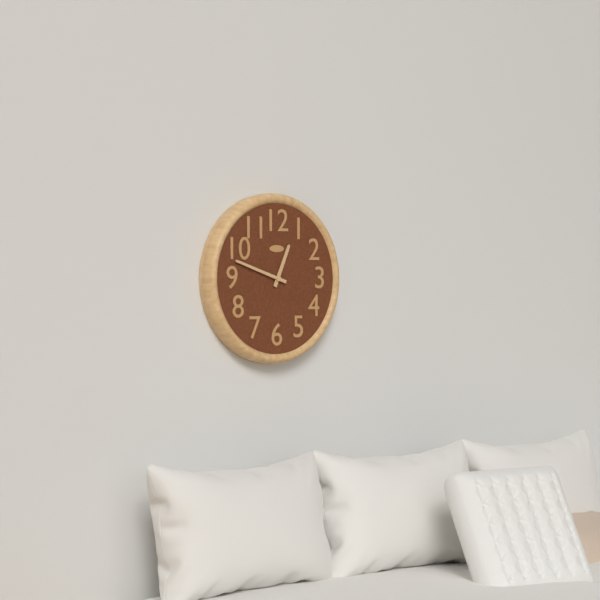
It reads 12:48
